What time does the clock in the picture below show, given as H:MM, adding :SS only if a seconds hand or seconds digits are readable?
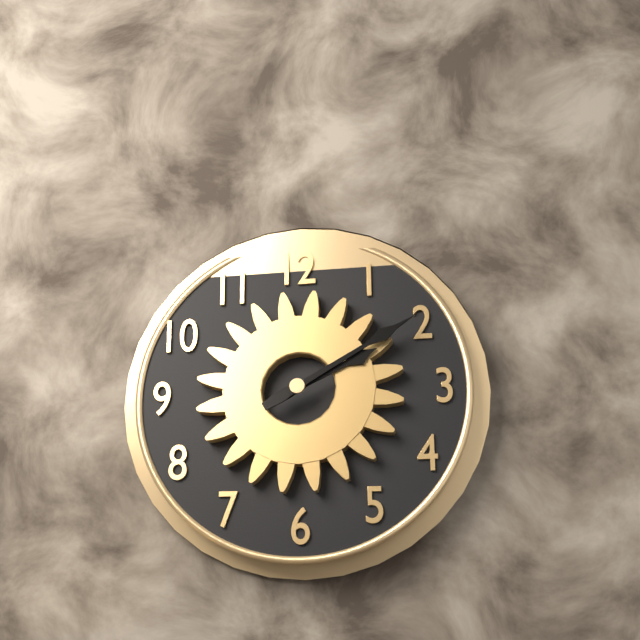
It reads 2:10
